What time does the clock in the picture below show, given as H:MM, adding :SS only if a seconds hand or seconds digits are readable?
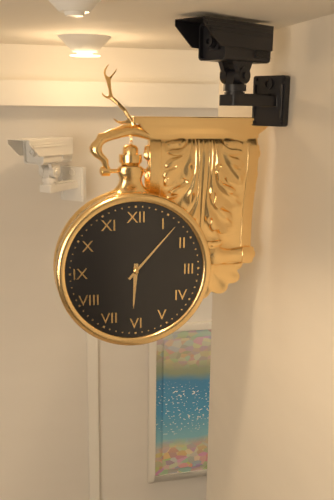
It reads 6:07
